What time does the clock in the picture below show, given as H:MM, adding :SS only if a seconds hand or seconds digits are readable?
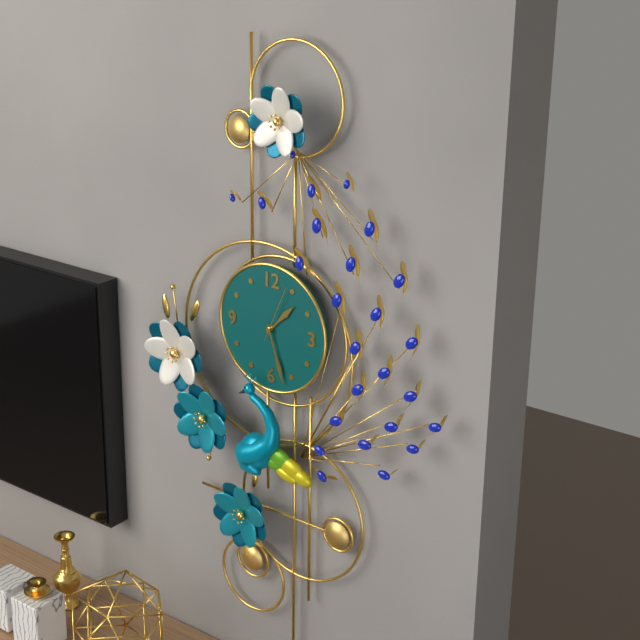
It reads 1:27:04
